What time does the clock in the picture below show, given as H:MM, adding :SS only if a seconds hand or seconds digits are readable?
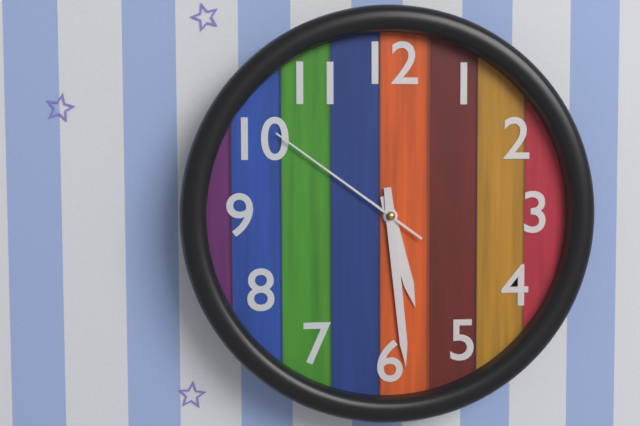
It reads 5:29:51
